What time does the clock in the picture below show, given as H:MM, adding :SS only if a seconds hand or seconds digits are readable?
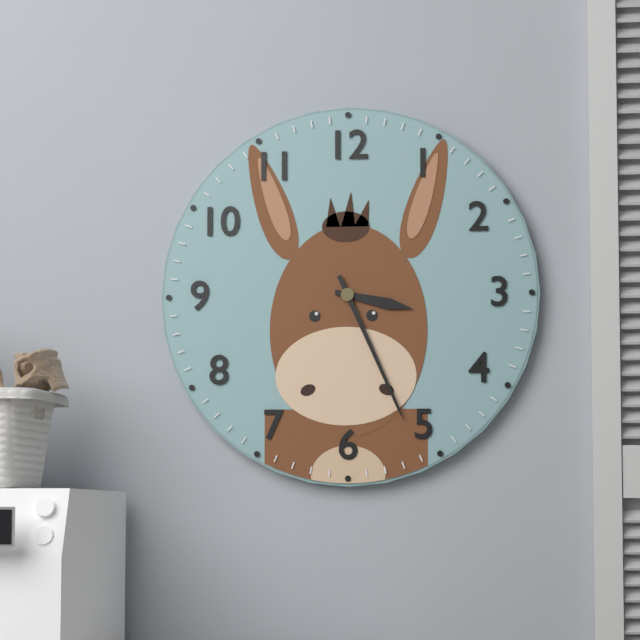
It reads 3:26
